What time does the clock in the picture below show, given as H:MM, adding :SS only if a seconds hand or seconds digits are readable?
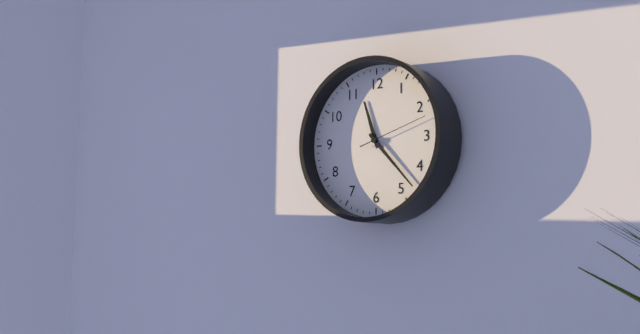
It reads 11:23:12
